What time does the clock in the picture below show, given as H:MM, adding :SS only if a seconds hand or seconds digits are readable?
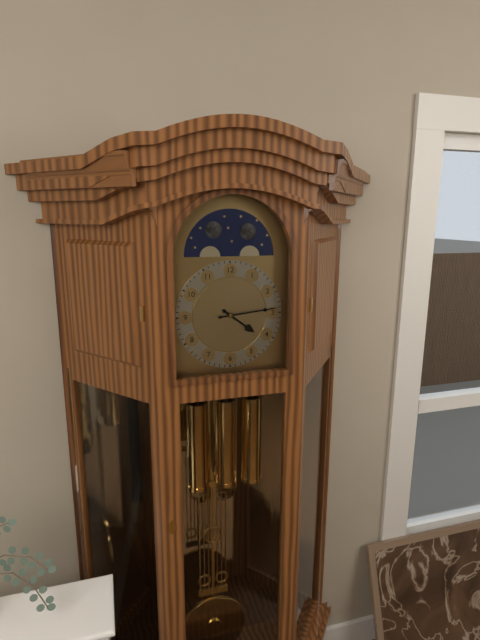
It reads 4:14
